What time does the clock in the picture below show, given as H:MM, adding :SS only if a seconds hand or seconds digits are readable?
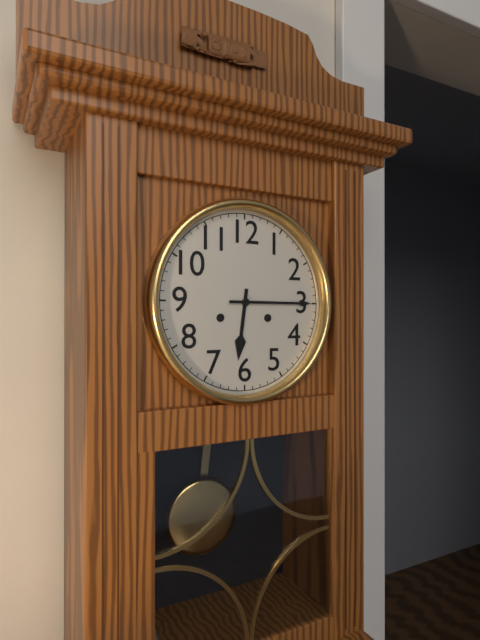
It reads 6:15
